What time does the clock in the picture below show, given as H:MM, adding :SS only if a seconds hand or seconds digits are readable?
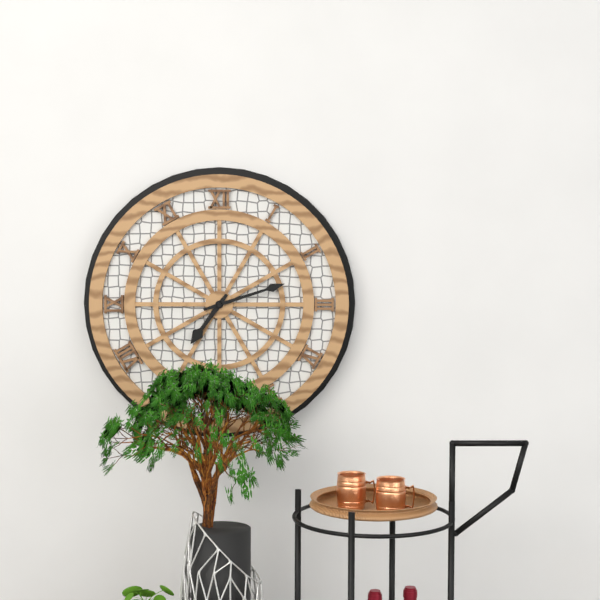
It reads 7:12
